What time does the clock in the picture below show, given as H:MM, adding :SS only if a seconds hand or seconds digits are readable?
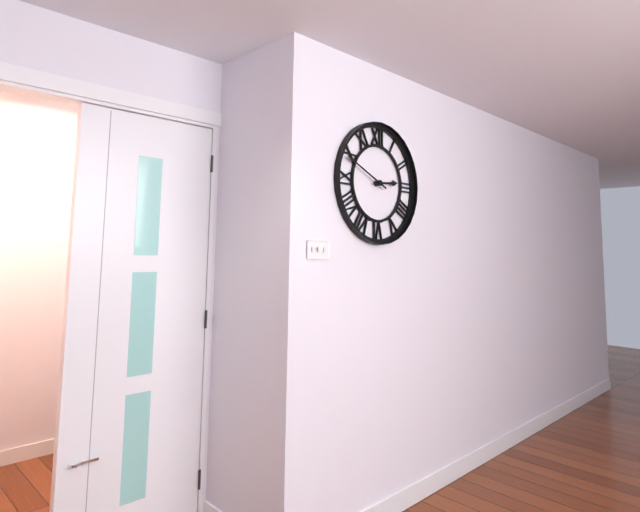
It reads 2:49
